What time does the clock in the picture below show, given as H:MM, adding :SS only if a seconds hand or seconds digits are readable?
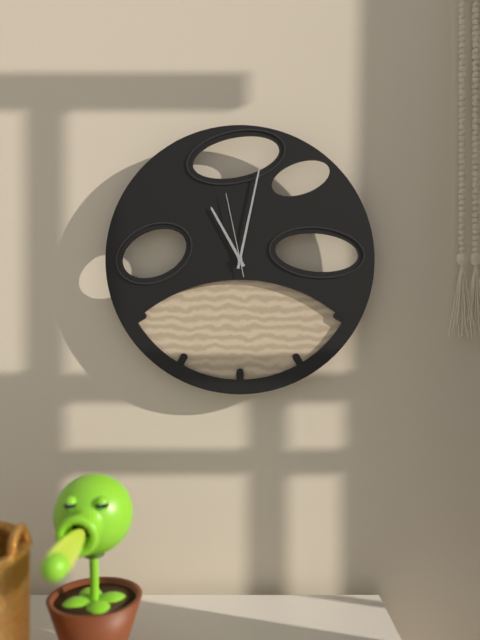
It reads 11:02:58
